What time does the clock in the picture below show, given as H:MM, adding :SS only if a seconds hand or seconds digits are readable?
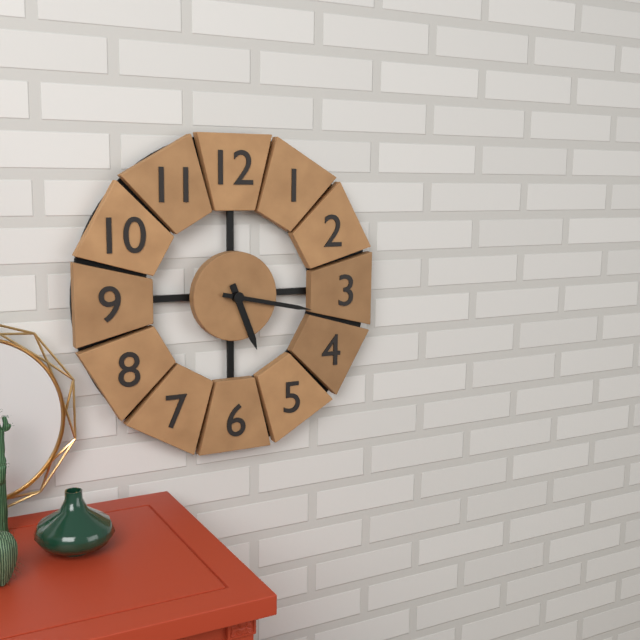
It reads 5:17
